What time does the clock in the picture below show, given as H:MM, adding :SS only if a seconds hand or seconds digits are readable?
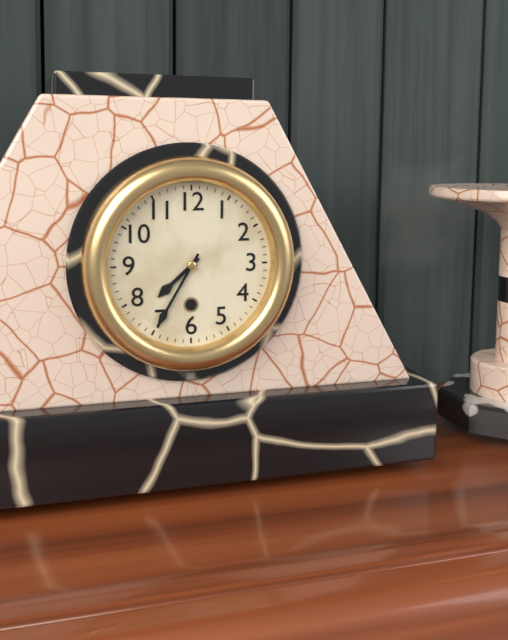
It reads 7:35
